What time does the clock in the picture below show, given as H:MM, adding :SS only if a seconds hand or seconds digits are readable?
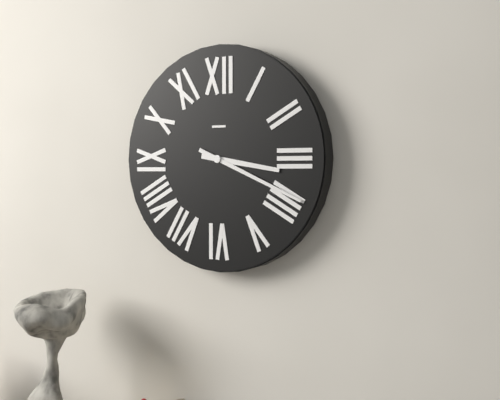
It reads 3:19
